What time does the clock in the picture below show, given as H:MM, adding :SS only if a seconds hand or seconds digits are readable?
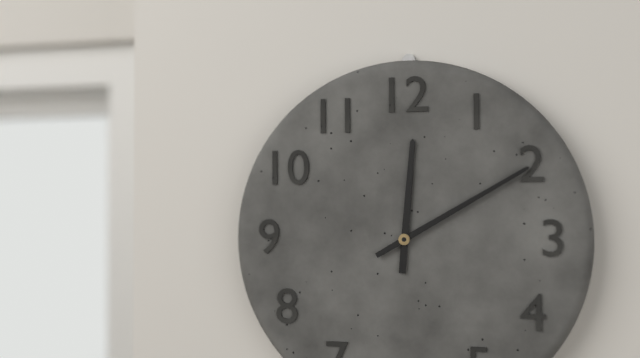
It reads 12:10
